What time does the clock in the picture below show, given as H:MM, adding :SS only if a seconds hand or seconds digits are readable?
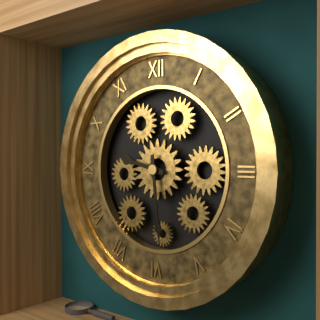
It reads 9:29
